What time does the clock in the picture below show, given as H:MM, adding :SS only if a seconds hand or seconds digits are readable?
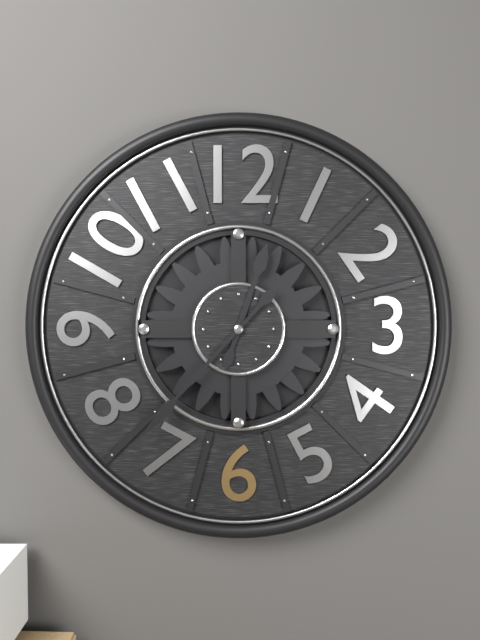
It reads 12:37
